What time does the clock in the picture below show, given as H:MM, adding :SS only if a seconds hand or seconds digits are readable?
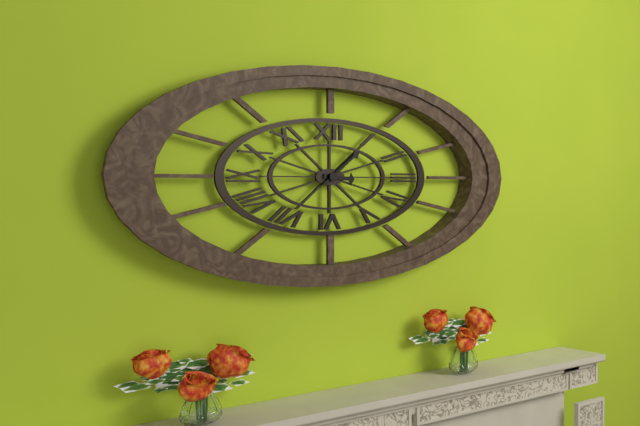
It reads 3:09
